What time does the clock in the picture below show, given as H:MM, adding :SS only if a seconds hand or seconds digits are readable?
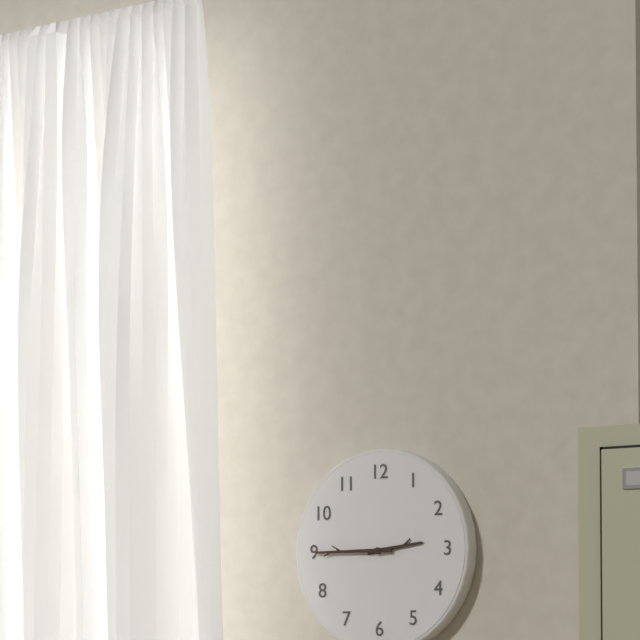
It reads 2:45
